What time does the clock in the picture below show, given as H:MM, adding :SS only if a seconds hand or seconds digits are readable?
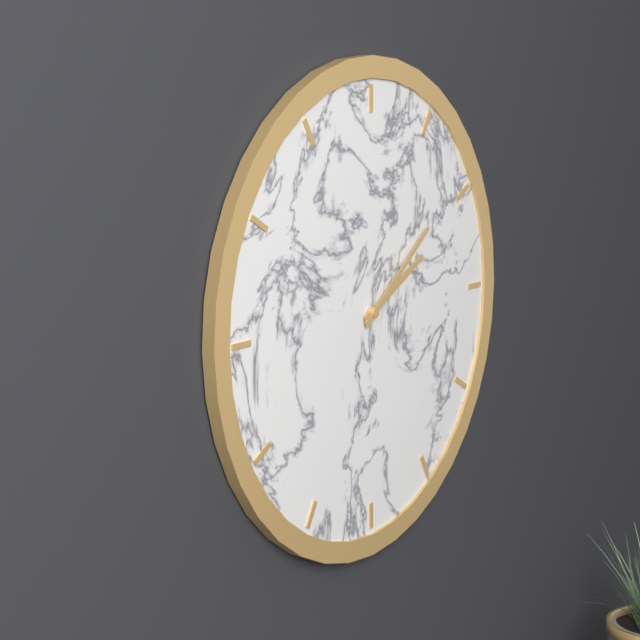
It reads 2:09
